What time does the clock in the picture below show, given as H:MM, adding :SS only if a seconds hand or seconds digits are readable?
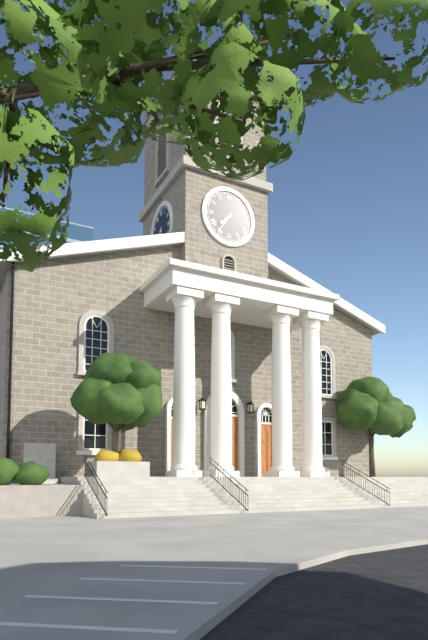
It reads 7:36
